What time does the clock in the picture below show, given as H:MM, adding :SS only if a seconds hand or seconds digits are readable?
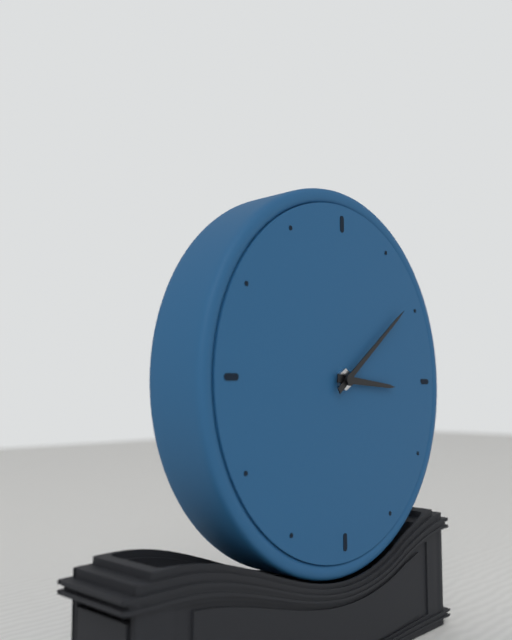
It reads 3:09
